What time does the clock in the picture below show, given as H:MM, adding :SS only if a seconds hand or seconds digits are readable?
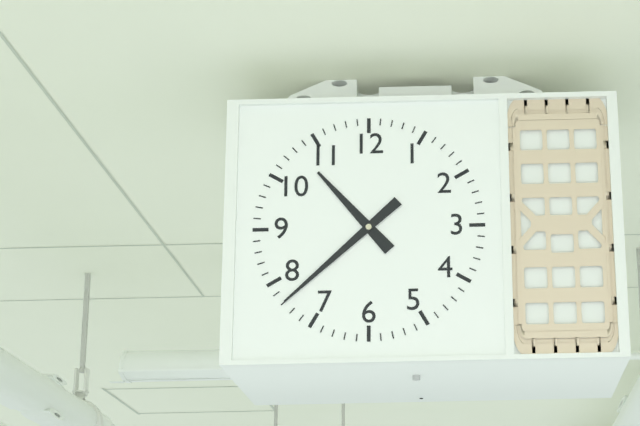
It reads 10:38
